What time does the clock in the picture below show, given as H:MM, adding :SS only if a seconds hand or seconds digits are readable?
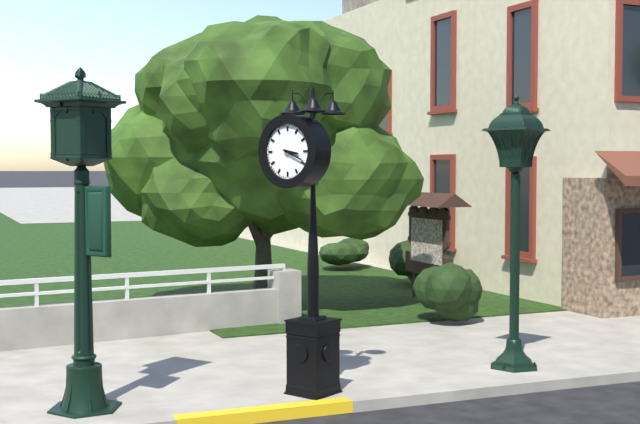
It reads 3:19
